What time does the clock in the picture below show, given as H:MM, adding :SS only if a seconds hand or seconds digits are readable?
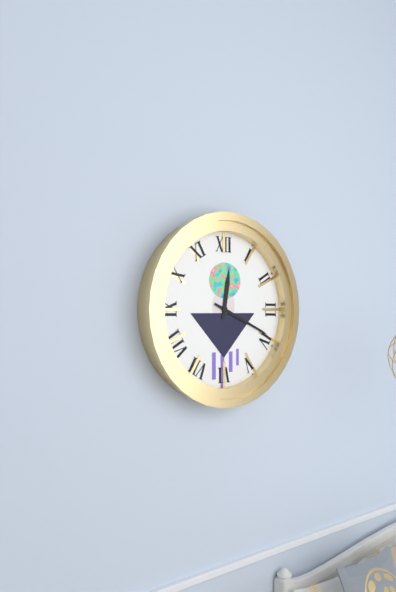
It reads 12:19
